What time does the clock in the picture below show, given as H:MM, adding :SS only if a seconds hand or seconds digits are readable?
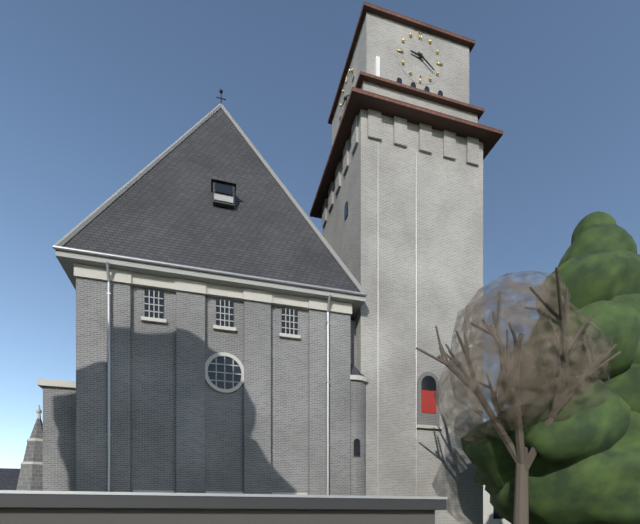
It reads 9:21
